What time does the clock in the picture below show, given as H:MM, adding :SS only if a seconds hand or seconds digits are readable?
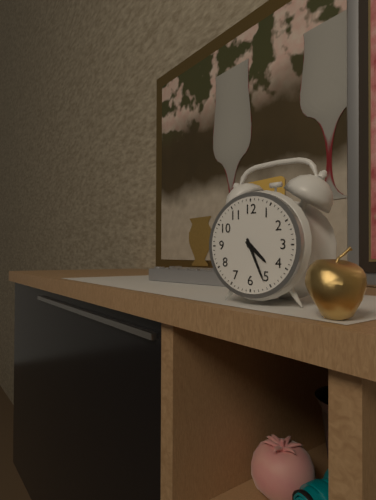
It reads 4:26
